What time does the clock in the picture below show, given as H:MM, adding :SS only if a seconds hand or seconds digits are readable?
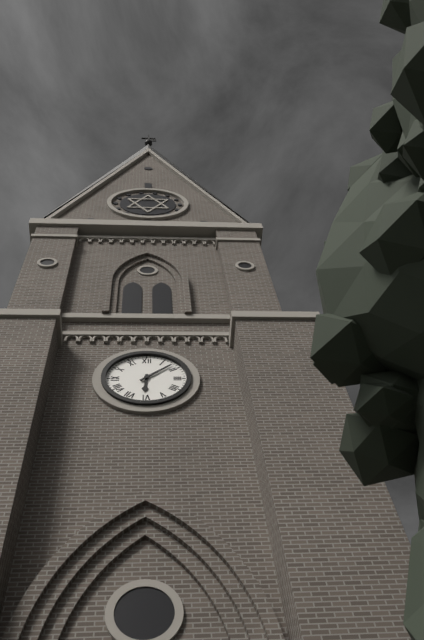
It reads 6:08
